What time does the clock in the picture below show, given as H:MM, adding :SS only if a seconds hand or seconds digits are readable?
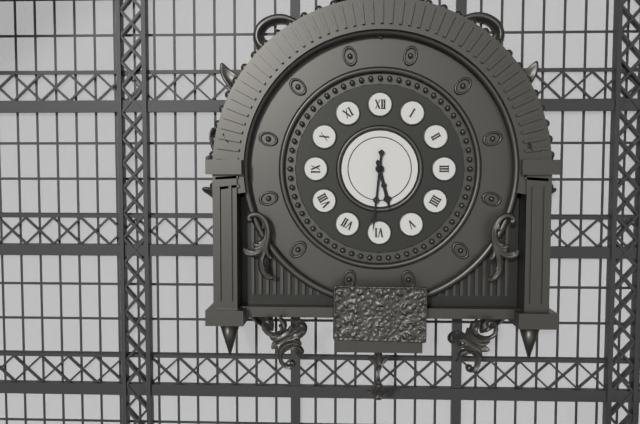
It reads 5:31
